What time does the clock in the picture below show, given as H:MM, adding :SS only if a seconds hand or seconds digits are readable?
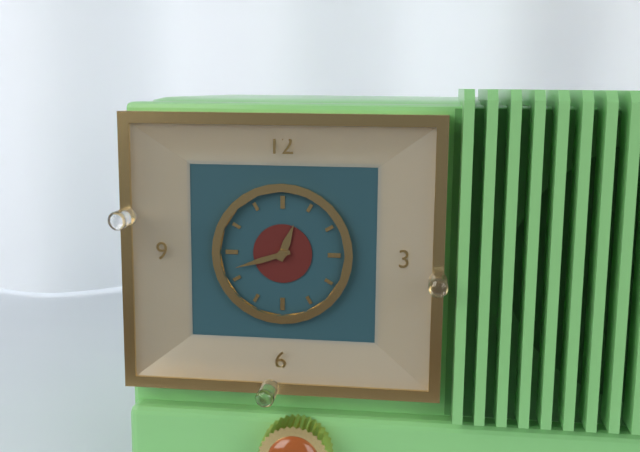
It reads 12:42
